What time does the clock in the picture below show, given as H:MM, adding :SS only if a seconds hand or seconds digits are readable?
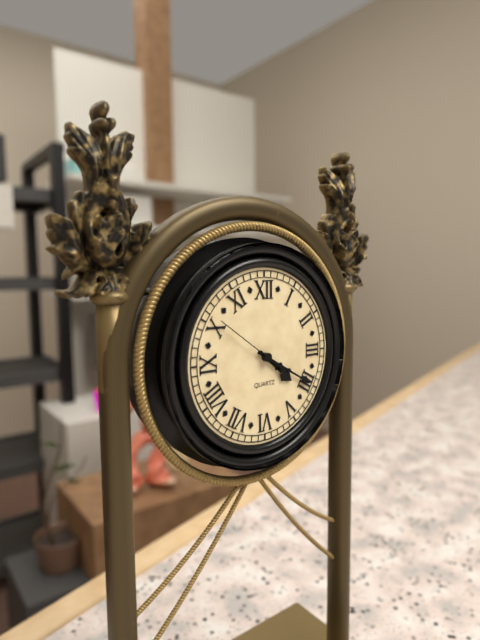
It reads 4:20:51
